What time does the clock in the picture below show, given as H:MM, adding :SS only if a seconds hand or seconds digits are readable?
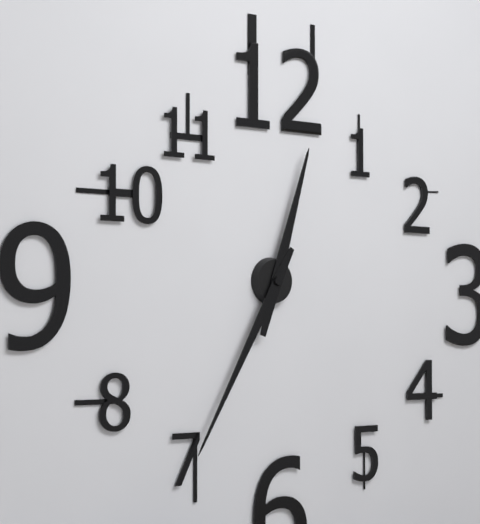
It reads 12:35
